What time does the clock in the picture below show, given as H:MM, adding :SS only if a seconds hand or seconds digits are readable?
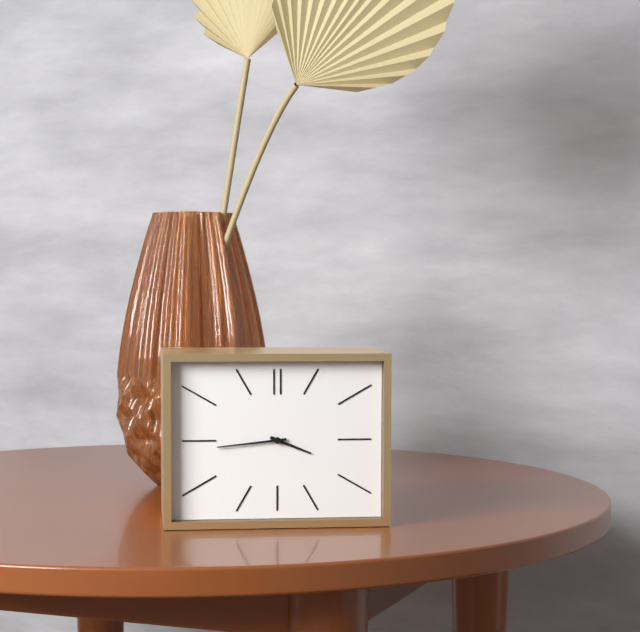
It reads 3:44
